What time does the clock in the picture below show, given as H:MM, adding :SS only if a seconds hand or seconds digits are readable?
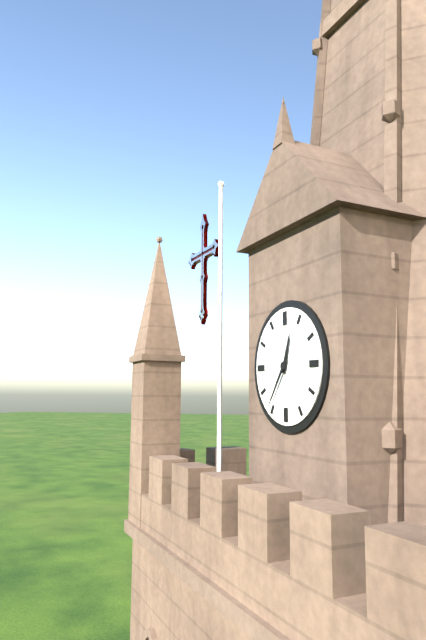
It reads 12:36
